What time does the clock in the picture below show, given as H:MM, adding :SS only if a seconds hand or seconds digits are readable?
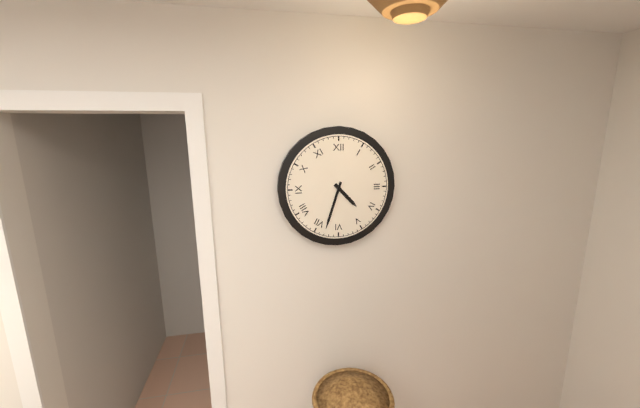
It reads 4:33
